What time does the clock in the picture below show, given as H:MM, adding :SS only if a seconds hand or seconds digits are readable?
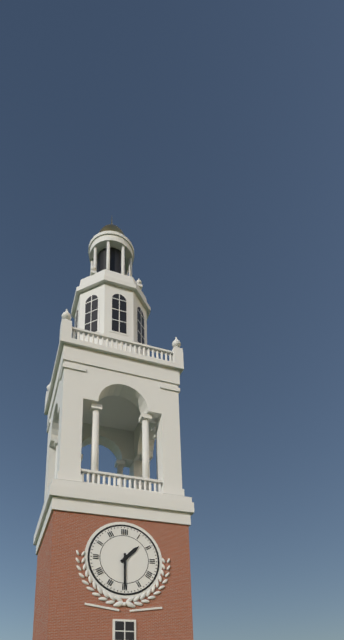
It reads 1:30
